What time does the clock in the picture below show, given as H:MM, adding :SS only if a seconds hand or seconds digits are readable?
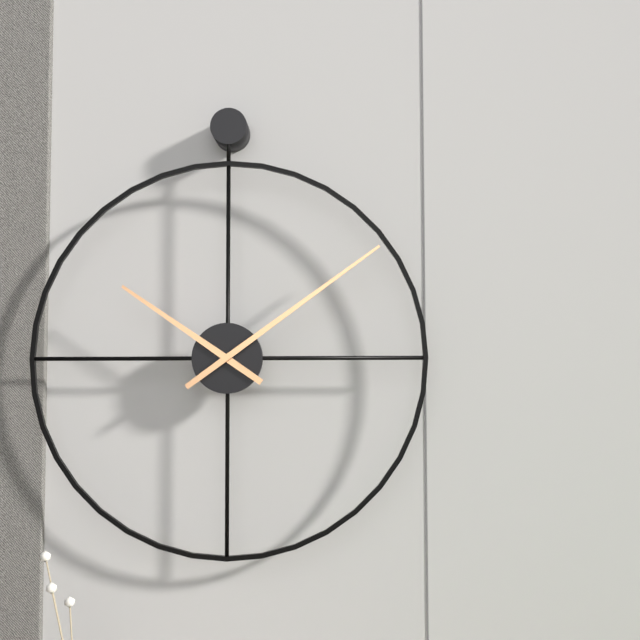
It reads 10:09
